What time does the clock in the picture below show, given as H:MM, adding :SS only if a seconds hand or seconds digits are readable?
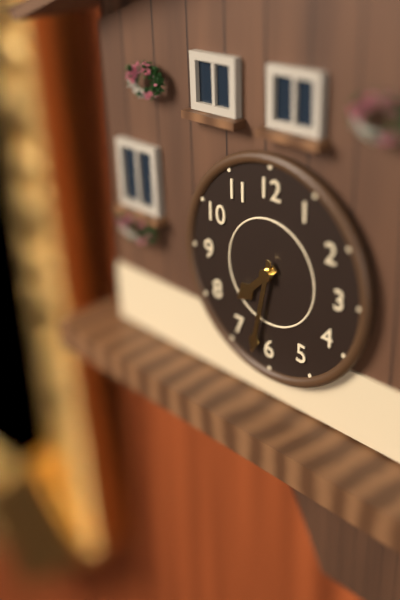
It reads 7:32
